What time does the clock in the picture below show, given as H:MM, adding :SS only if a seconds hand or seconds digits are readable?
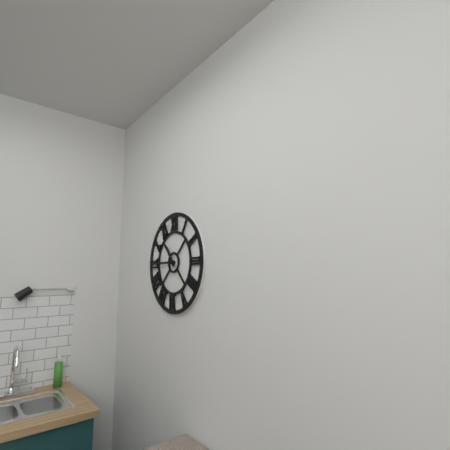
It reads 10:45
